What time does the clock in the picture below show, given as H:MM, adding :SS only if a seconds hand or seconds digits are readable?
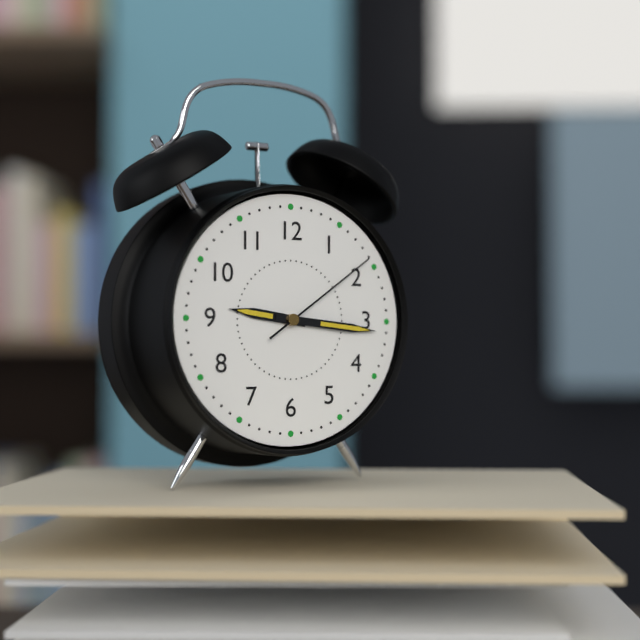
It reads 9:16:09
